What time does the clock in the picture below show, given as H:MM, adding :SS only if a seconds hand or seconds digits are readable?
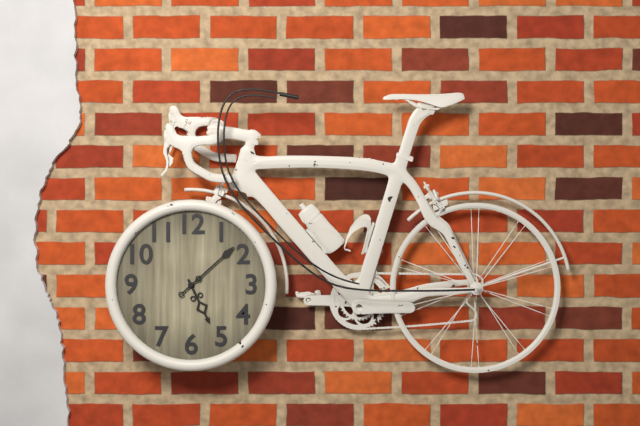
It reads 5:08
